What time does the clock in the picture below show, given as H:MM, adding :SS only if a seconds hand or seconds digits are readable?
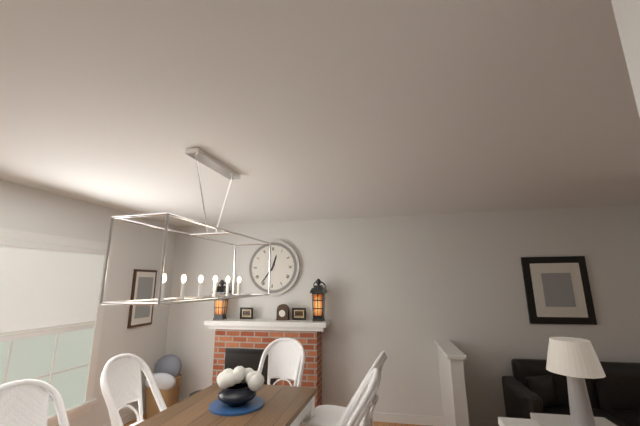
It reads 12:36
